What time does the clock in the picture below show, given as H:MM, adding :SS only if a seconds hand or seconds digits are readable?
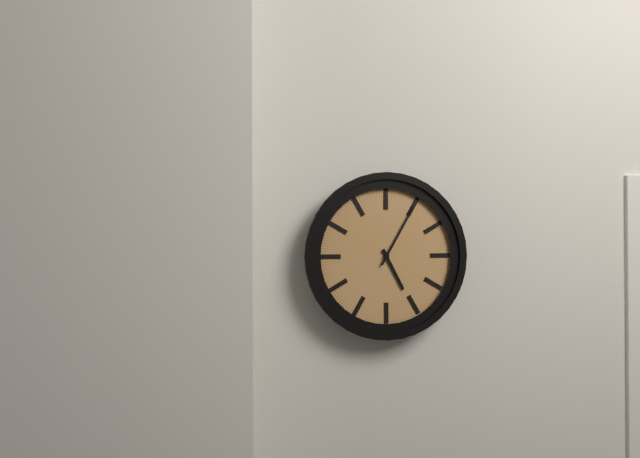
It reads 5:05
